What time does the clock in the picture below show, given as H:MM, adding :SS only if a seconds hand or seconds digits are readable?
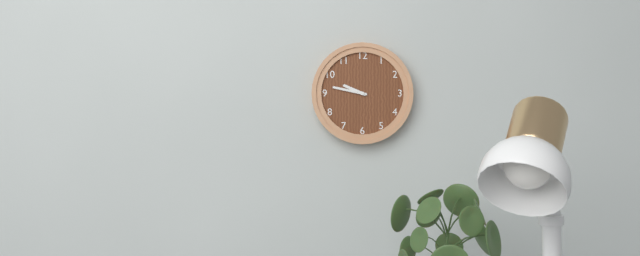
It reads 9:47
